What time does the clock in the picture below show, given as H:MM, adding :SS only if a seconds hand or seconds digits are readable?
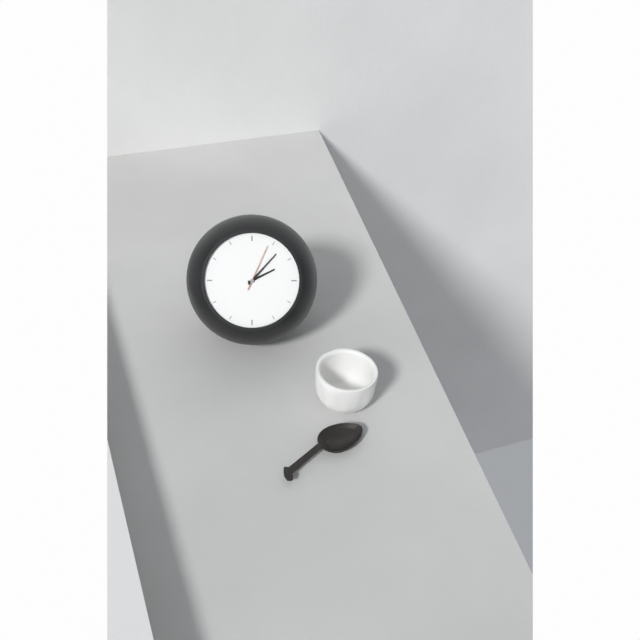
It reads 2:07
